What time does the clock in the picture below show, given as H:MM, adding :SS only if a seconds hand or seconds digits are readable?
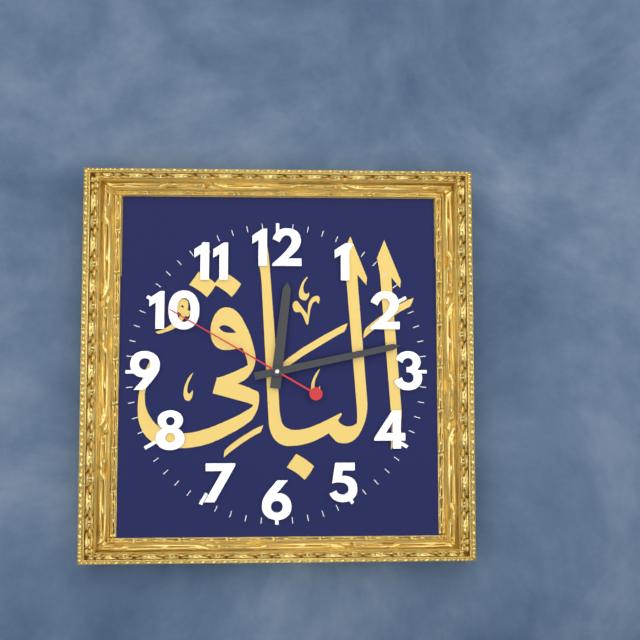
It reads 12:13:50
